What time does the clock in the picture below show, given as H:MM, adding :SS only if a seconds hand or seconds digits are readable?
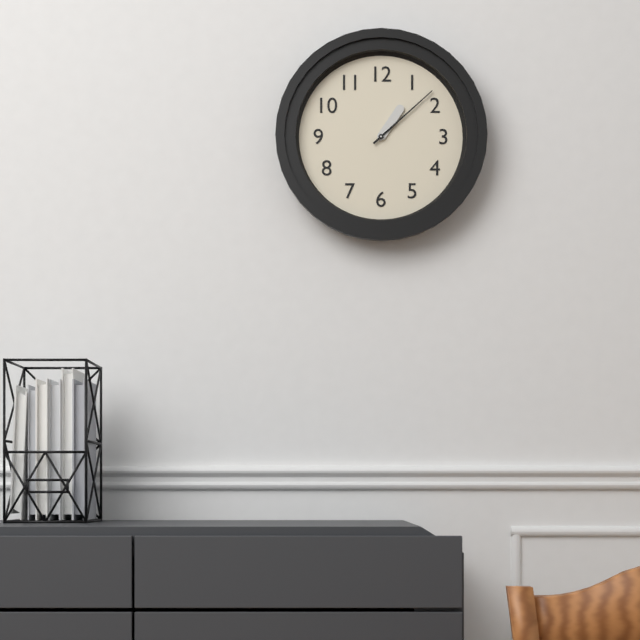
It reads 1:08
